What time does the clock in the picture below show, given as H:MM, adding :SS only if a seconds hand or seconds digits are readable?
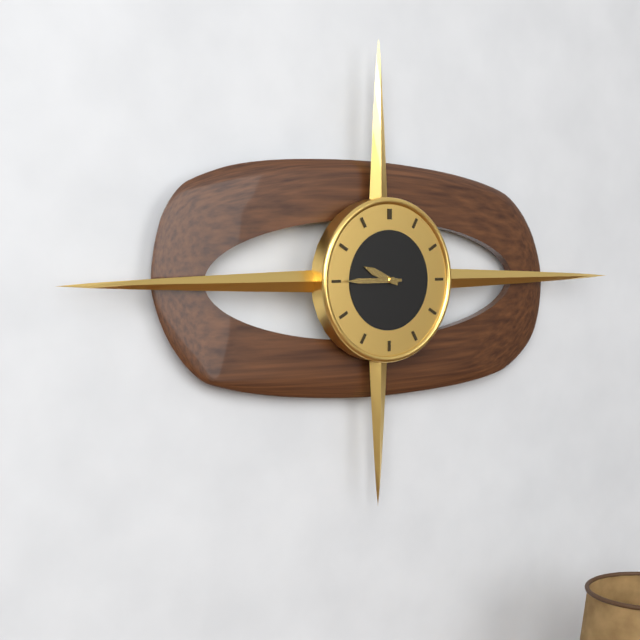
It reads 9:45
